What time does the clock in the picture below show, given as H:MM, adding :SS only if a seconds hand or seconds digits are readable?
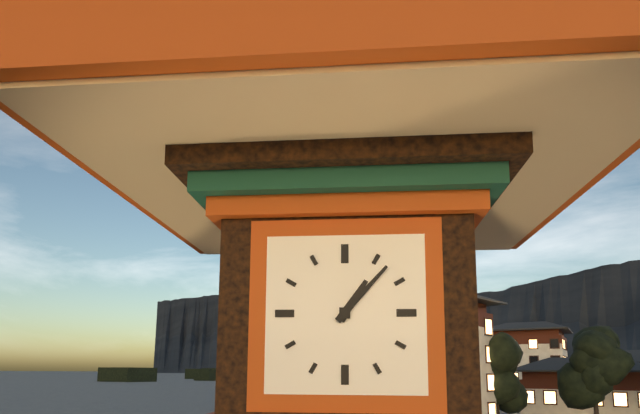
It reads 1:07
